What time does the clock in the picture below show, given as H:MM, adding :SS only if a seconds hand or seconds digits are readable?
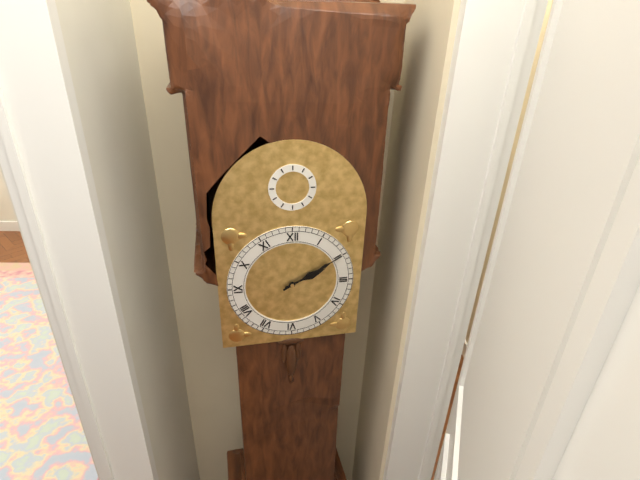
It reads 2:10
